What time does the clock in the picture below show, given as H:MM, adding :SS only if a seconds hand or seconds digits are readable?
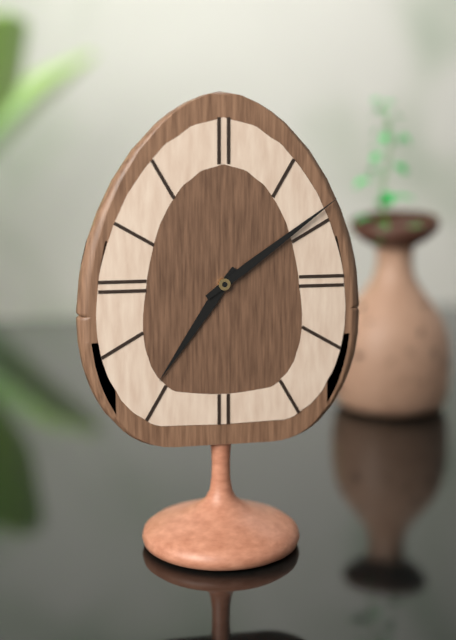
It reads 7:09
